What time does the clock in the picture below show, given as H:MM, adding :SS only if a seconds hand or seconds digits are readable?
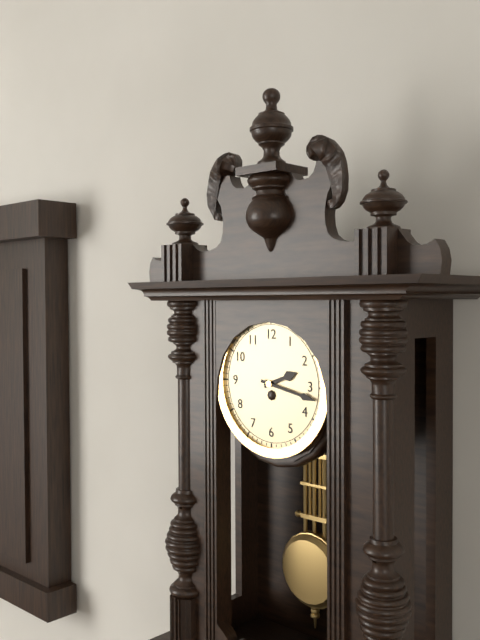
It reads 2:17
